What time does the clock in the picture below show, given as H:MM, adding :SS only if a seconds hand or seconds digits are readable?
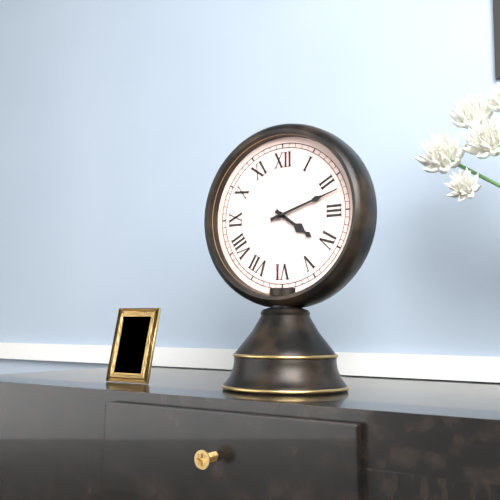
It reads 4:12
